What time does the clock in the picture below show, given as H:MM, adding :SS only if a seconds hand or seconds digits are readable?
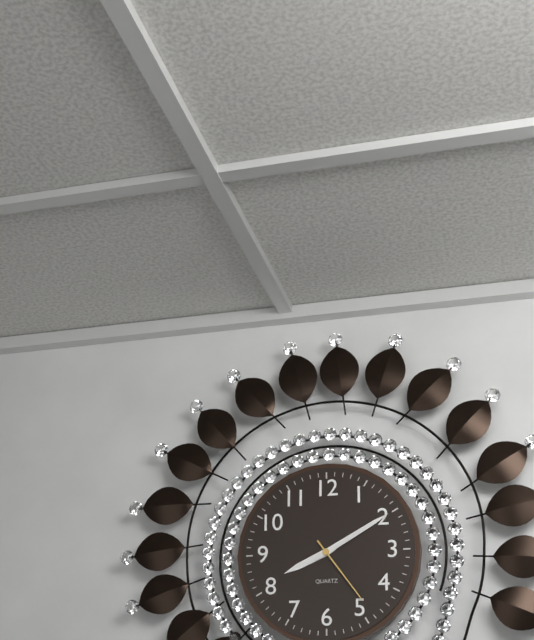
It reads 8:10:24
